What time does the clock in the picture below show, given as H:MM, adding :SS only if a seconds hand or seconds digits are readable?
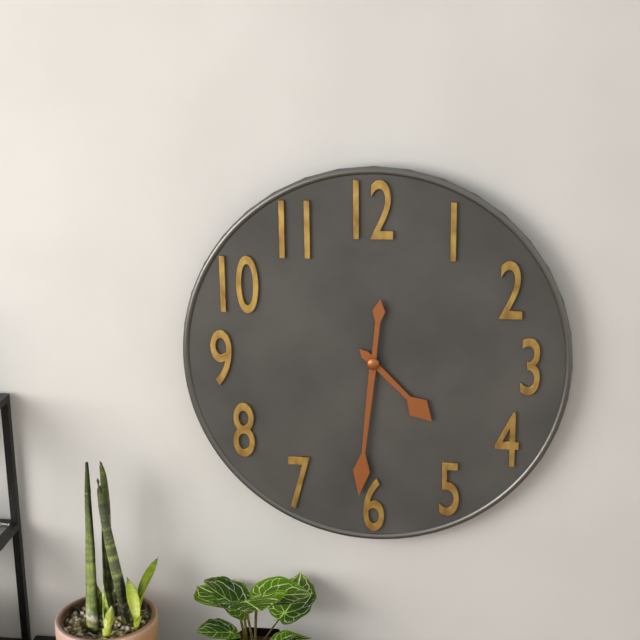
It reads 4:31
